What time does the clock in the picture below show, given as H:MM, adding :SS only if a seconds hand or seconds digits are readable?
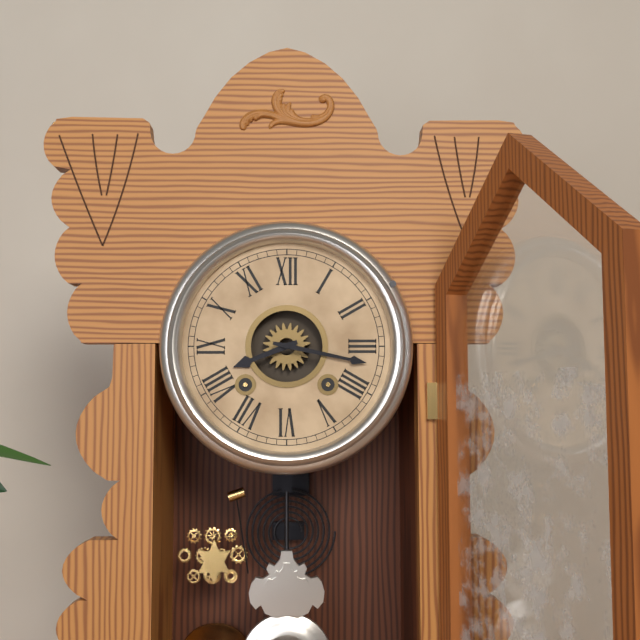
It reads 8:17
